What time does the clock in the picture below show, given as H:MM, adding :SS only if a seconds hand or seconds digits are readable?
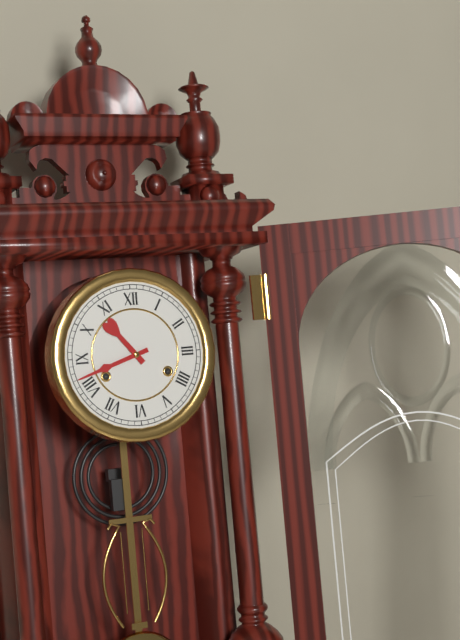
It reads 10:42
